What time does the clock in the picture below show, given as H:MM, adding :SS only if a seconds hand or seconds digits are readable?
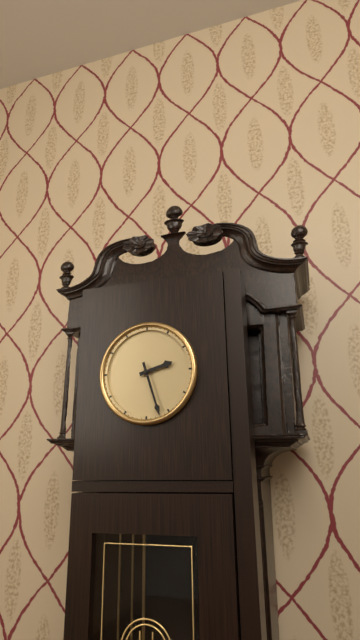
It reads 2:27
